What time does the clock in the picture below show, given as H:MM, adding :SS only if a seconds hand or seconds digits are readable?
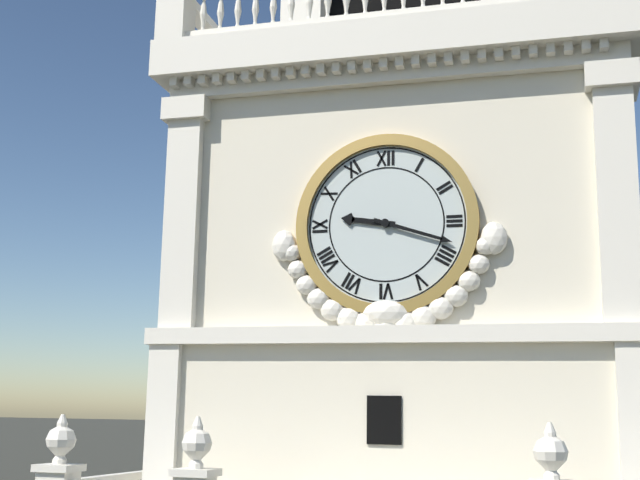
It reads 9:18
